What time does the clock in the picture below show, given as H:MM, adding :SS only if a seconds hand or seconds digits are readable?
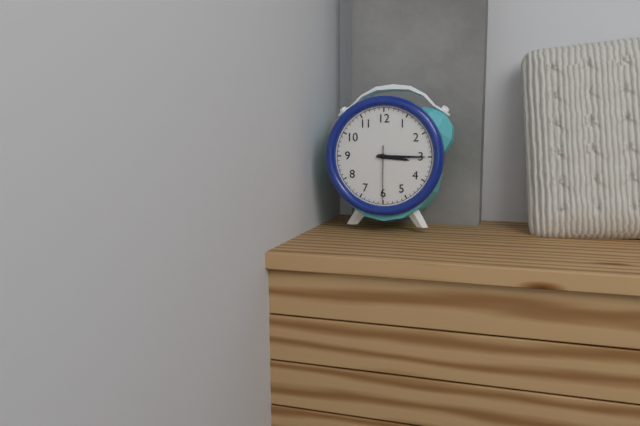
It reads 3:15:30
